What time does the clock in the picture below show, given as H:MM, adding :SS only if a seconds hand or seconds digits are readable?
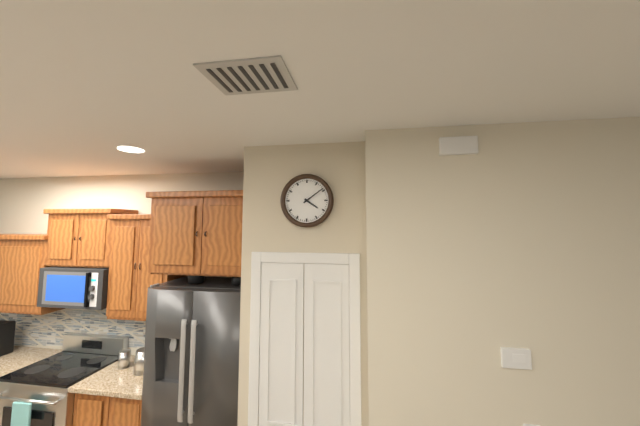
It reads 4:09
